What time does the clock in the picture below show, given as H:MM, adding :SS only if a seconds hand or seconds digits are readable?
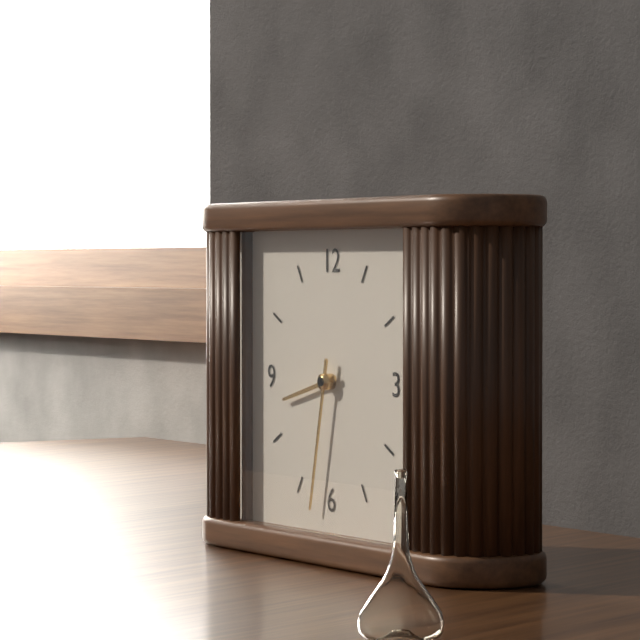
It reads 8:32
